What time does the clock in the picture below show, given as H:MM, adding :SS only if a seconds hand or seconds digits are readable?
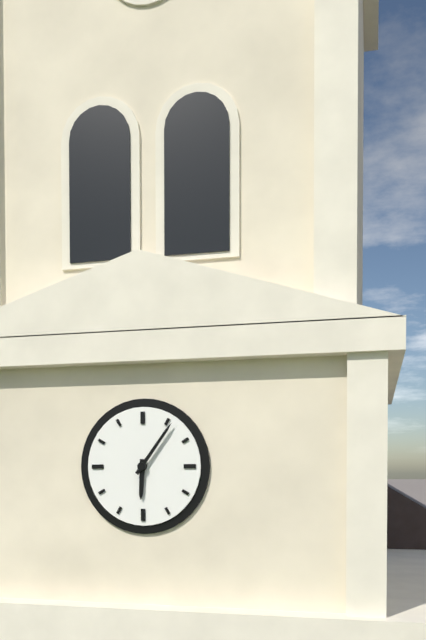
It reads 6:06
